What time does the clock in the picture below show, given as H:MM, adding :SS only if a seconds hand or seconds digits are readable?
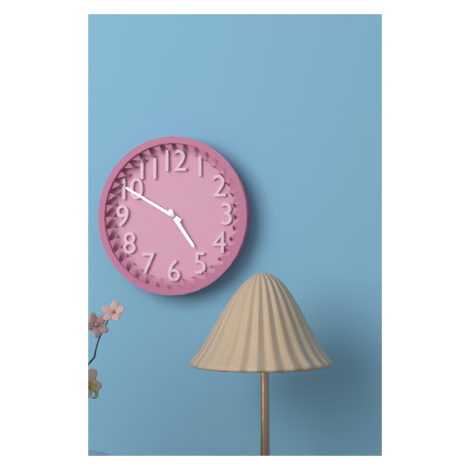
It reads 4:50
